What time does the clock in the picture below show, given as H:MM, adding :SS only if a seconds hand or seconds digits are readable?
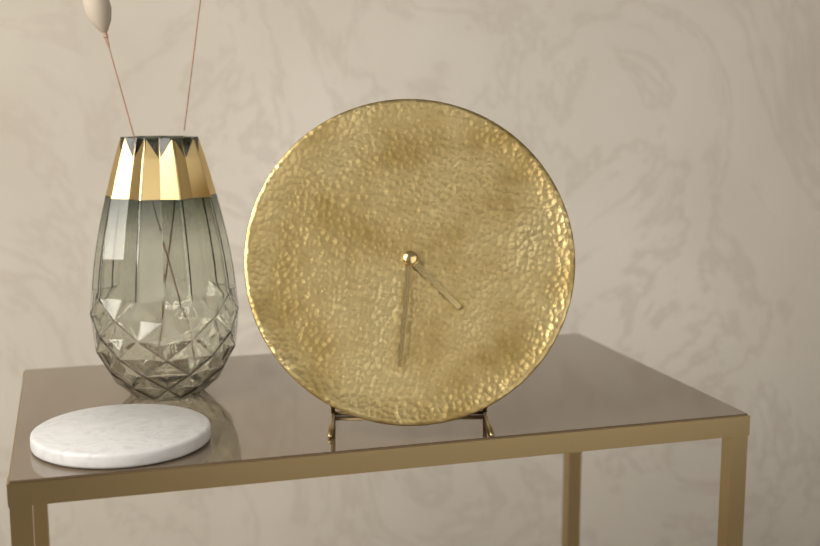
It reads 4:31
